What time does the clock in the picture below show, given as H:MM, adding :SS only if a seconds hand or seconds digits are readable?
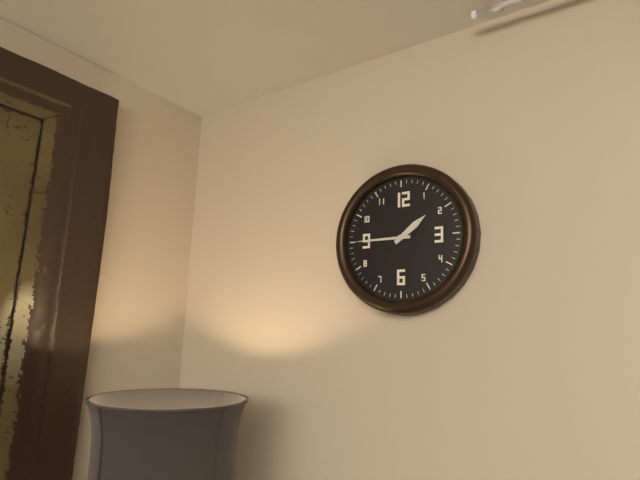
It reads 1:45
